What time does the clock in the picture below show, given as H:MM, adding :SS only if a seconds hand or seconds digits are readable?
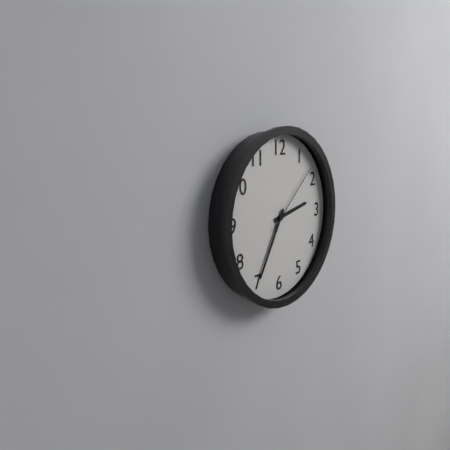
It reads 2:35:08
